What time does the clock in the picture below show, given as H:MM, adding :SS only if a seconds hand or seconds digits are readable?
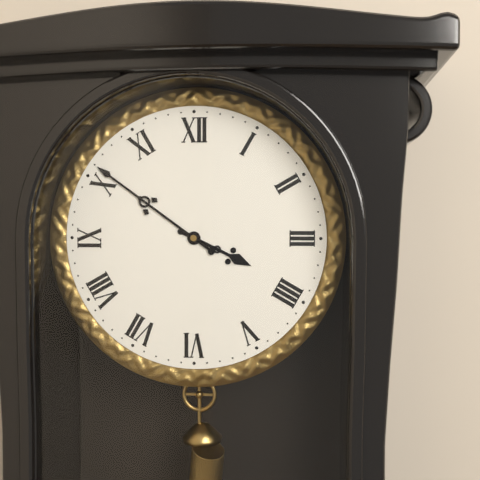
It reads 3:51
